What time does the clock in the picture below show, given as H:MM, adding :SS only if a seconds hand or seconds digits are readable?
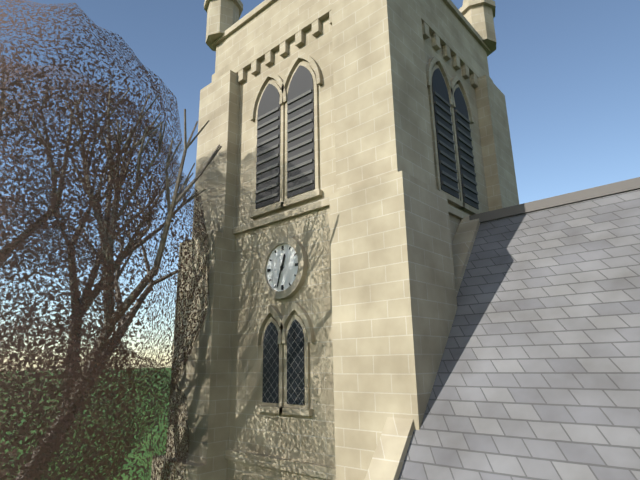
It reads 12:33
